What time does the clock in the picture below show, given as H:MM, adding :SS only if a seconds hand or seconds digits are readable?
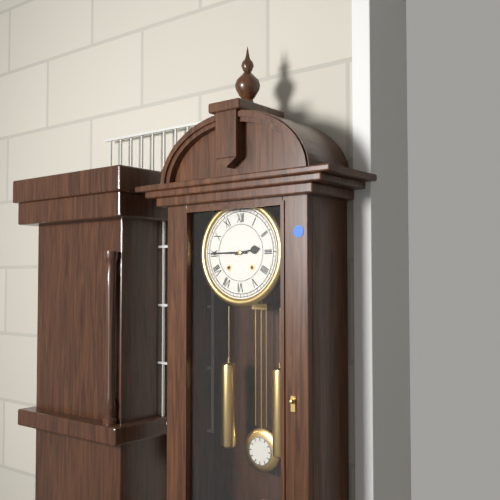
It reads 2:45
